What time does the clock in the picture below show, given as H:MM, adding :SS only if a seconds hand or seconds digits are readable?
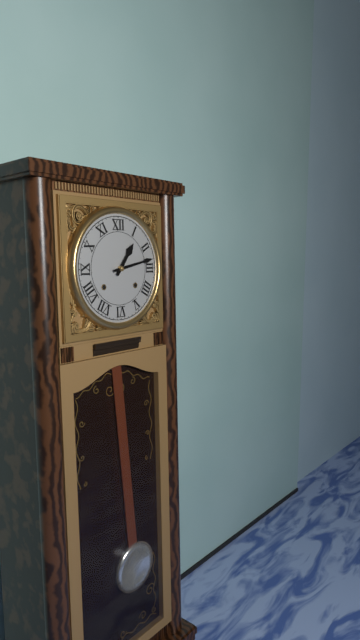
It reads 1:13
